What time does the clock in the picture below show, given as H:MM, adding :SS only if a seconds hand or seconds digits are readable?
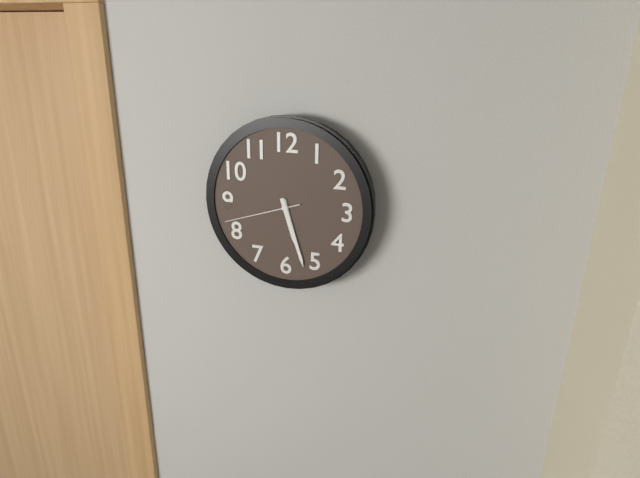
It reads 5:27:42
